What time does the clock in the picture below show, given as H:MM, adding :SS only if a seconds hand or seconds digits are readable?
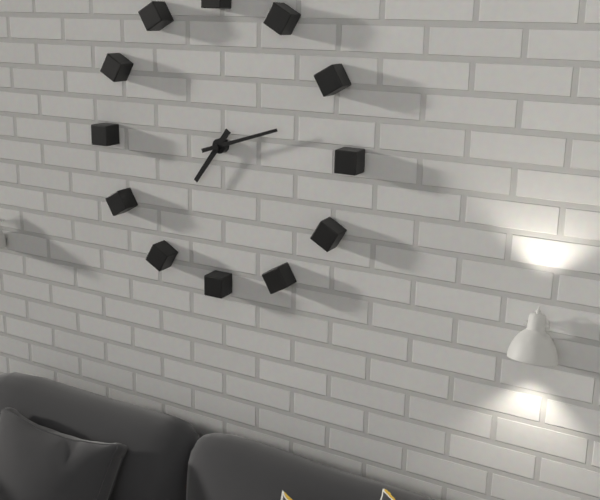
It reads 7:12
